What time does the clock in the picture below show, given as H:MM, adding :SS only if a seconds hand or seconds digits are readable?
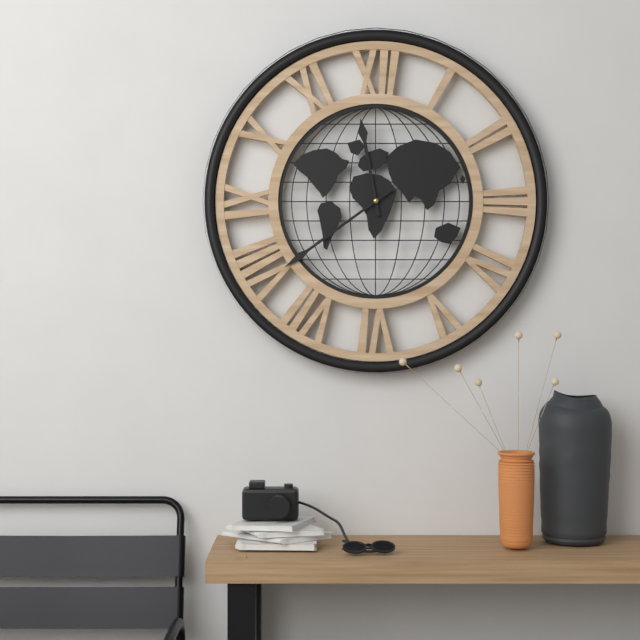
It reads 11:39
